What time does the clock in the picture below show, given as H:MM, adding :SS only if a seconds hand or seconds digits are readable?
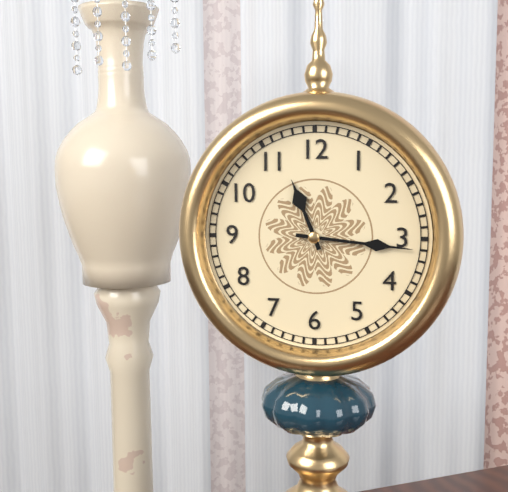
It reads 11:16
